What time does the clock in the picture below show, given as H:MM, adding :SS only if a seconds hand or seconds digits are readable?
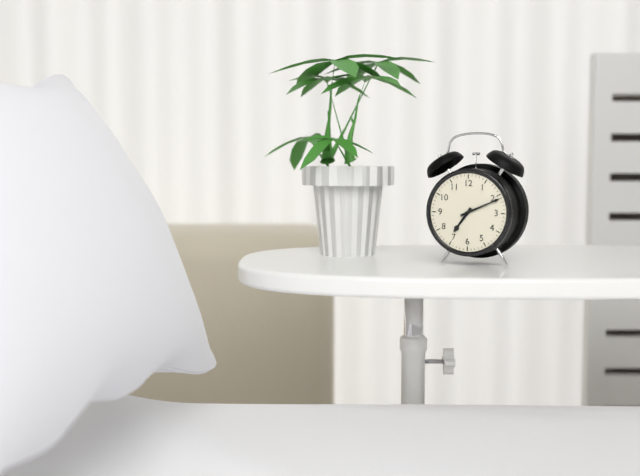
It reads 7:11
